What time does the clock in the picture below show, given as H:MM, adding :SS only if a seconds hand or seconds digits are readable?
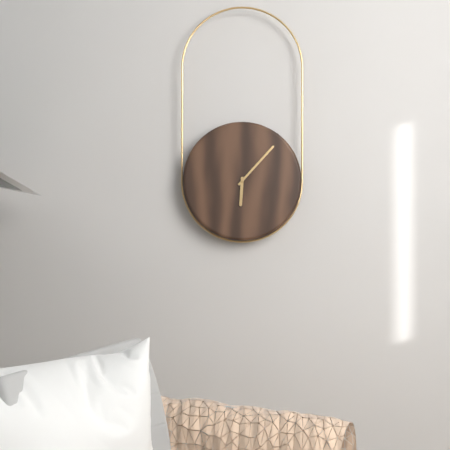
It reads 6:07
